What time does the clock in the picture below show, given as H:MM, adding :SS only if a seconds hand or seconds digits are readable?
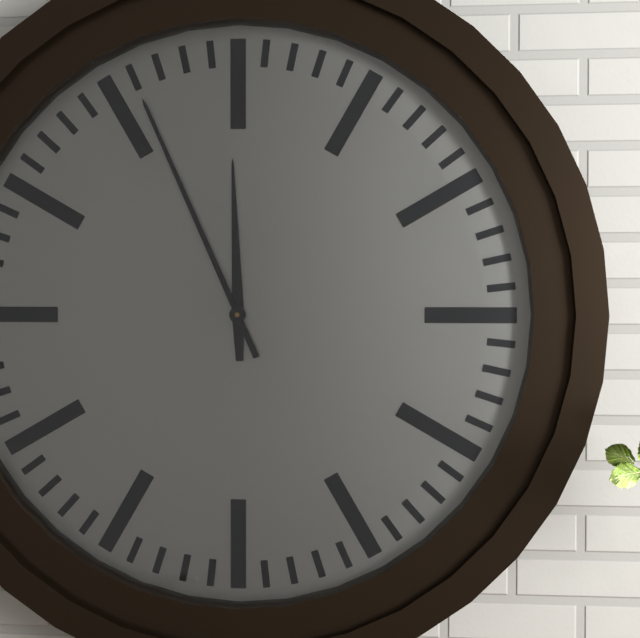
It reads 11:56
